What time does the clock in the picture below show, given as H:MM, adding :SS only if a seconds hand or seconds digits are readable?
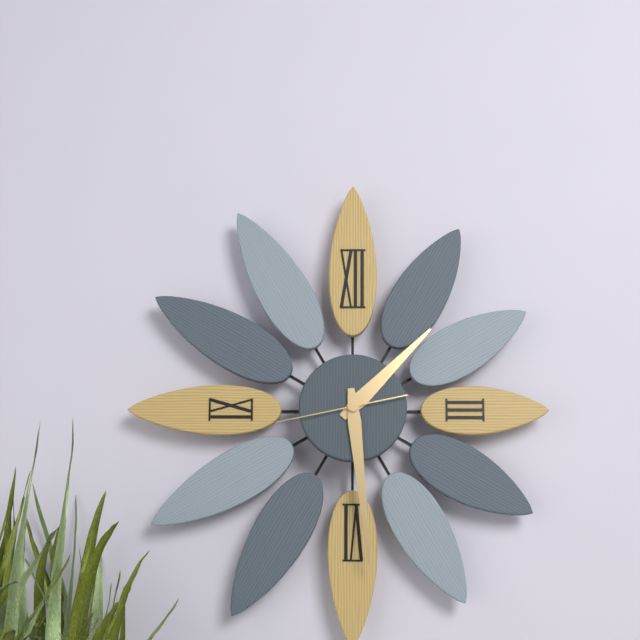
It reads 1:29:43
